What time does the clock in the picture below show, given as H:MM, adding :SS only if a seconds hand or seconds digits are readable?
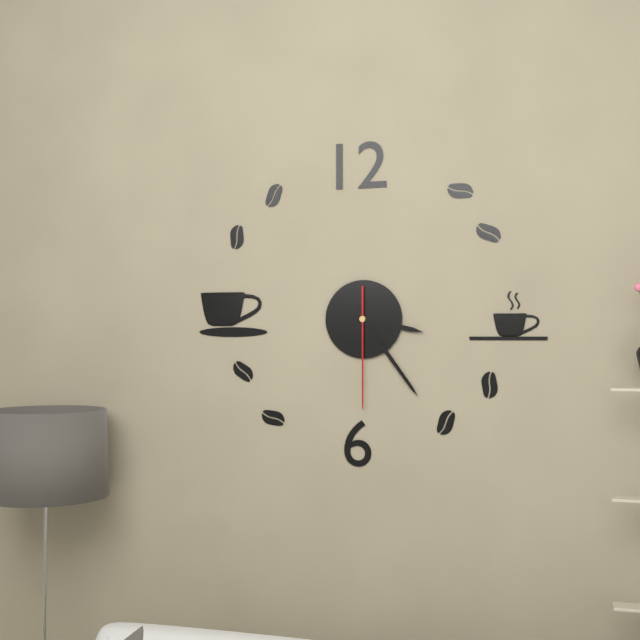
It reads 3:24:30
